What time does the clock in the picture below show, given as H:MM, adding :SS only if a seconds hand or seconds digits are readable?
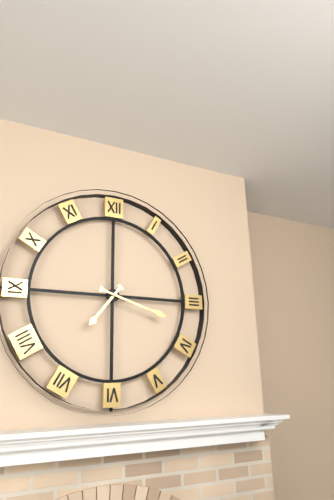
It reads 7:18
